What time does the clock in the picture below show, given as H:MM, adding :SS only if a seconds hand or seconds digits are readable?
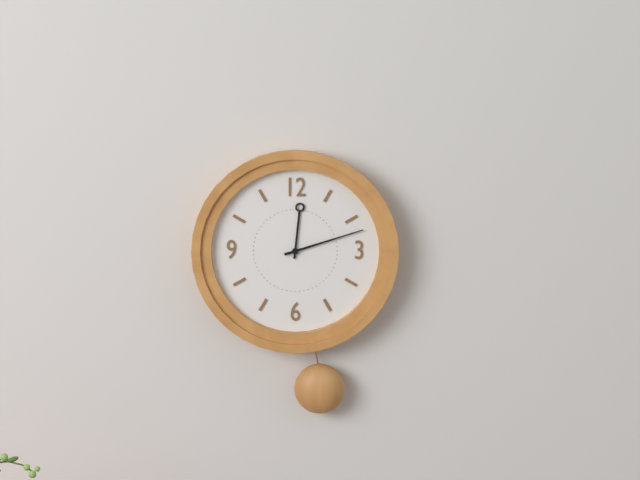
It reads 12:12
